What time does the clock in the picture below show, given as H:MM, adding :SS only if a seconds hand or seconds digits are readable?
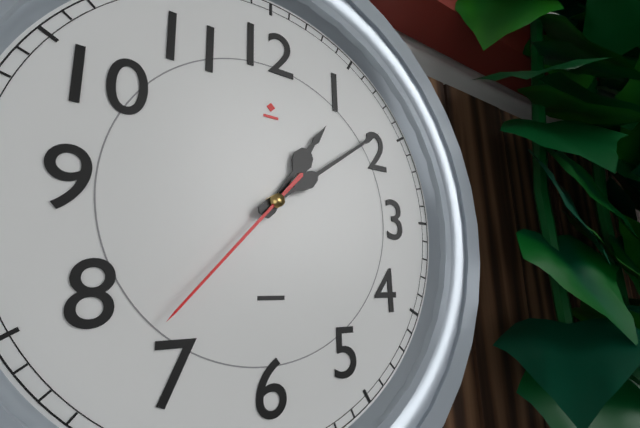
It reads 1:09:37
